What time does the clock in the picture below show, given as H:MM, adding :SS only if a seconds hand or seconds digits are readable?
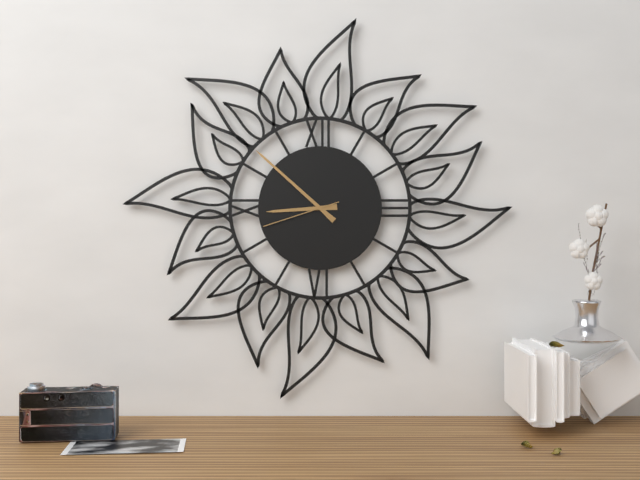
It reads 8:52:42
